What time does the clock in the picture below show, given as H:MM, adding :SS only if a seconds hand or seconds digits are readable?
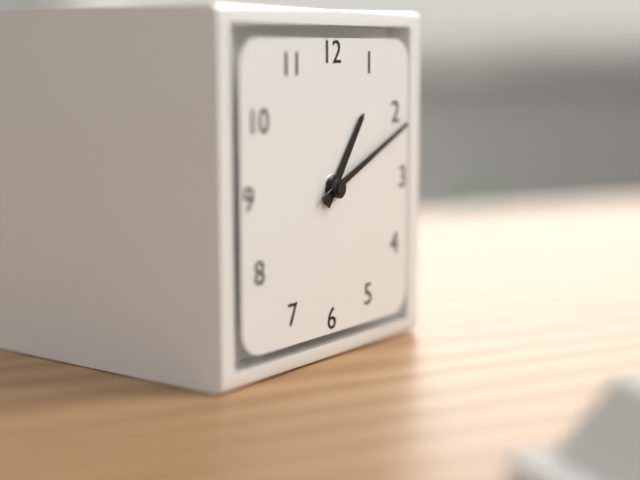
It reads 1:11
